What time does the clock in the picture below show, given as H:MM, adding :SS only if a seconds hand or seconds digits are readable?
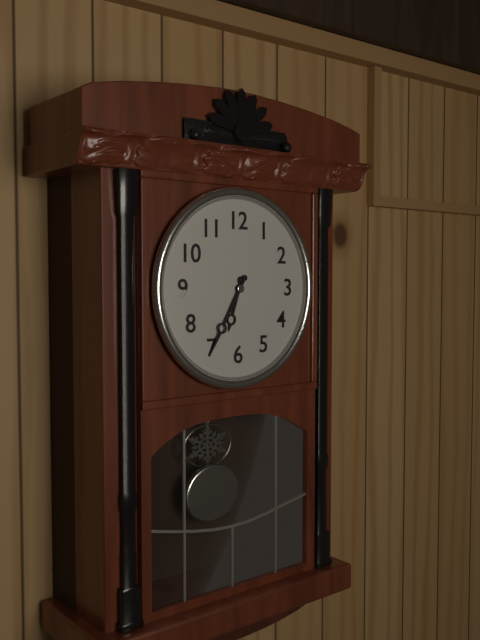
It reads 6:35
